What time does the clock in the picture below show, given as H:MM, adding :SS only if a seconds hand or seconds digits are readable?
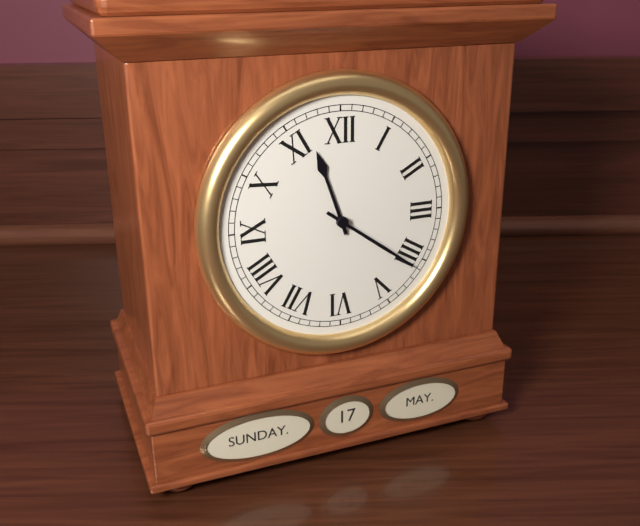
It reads 11:21
